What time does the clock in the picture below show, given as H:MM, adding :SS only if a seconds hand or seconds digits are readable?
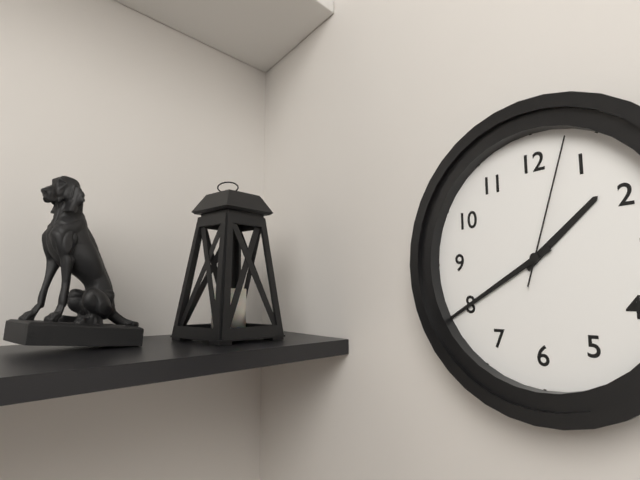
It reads 1:40:03
